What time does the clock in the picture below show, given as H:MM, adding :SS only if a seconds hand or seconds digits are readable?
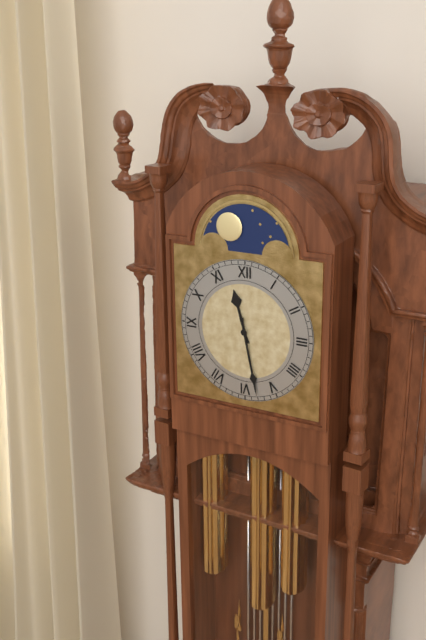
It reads 11:28
